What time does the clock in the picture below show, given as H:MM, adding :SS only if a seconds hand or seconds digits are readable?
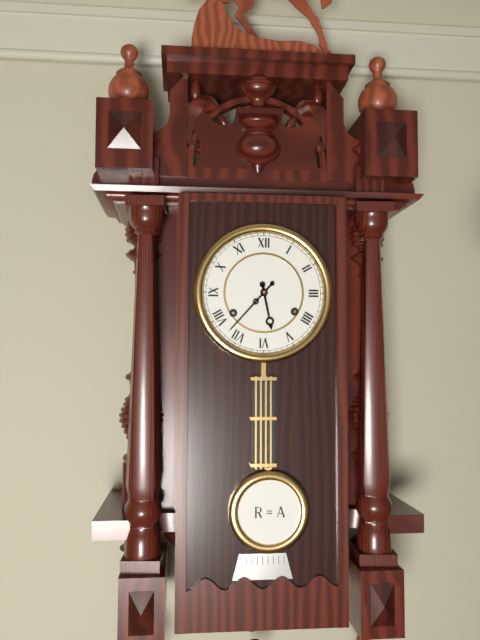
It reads 5:37
